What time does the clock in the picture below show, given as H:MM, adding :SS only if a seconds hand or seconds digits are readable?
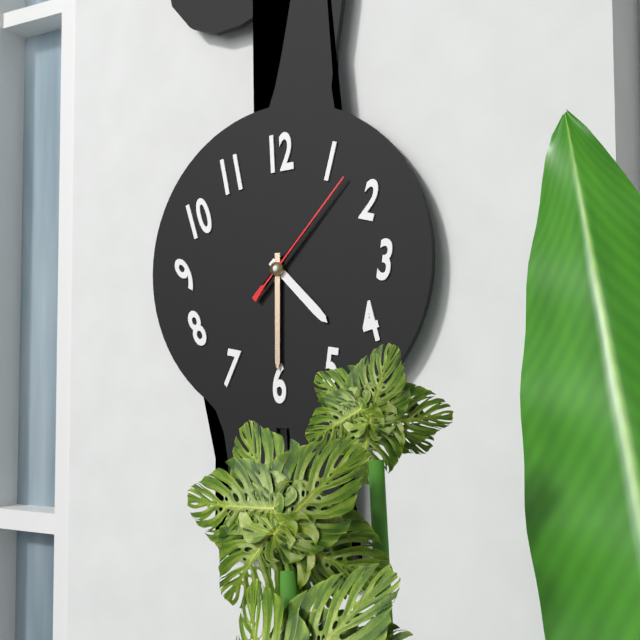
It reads 4:30:07
